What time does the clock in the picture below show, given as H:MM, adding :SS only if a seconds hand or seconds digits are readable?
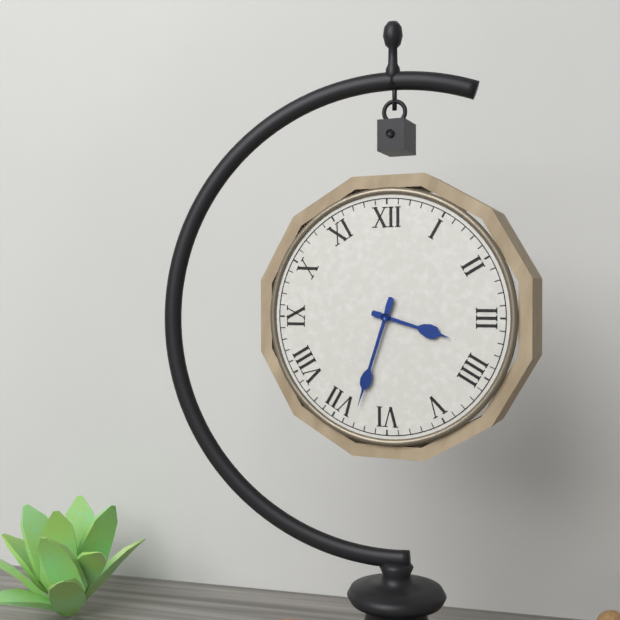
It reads 3:33
